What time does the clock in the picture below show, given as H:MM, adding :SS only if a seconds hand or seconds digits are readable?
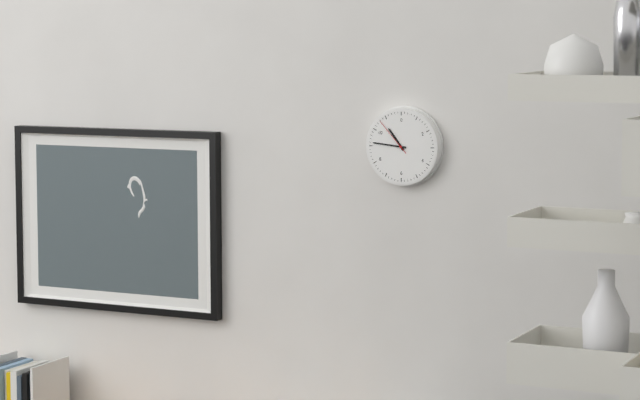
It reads 10:46
